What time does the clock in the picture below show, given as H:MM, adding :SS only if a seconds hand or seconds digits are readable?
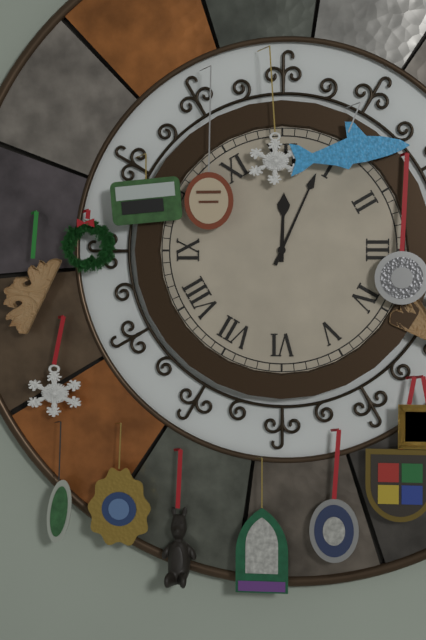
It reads 12:04
